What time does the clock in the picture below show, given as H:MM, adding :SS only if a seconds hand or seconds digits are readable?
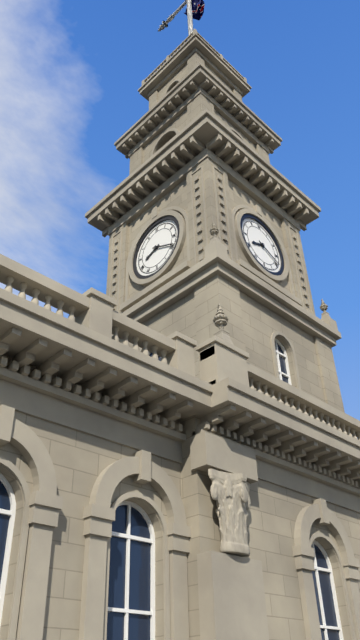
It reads 8:19
